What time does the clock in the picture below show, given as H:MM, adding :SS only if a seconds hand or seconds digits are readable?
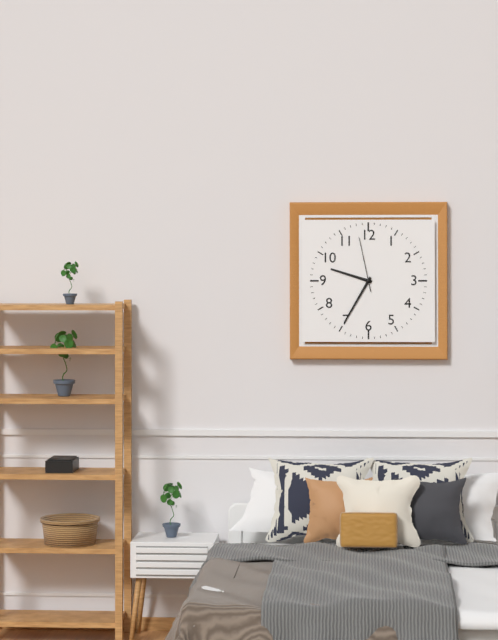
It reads 9:35:58
